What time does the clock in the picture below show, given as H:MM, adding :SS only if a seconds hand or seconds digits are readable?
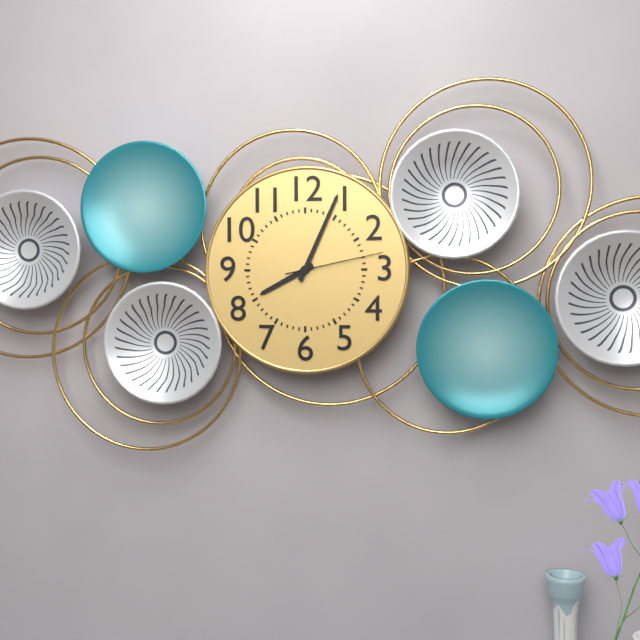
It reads 8:04:13
